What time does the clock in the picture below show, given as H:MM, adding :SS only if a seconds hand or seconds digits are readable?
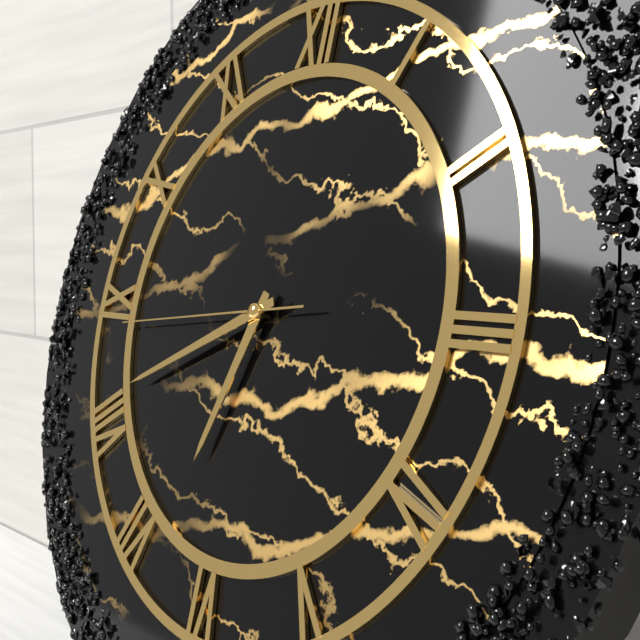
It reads 6:41:44
